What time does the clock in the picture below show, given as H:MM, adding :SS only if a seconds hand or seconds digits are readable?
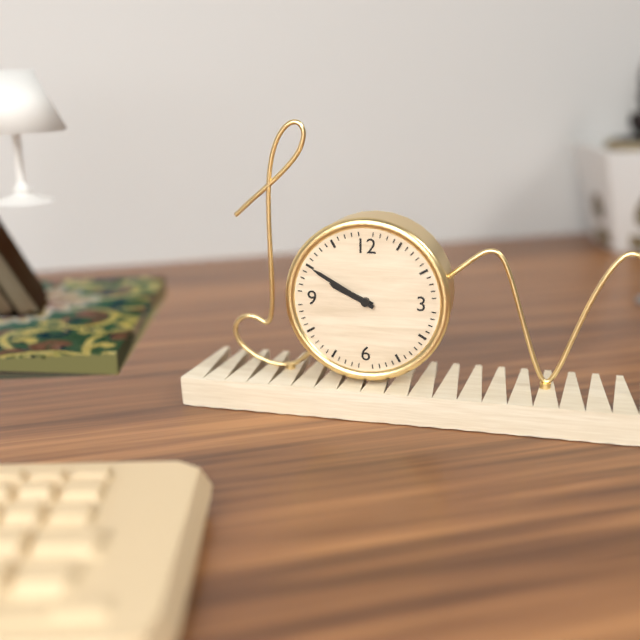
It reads 9:50
